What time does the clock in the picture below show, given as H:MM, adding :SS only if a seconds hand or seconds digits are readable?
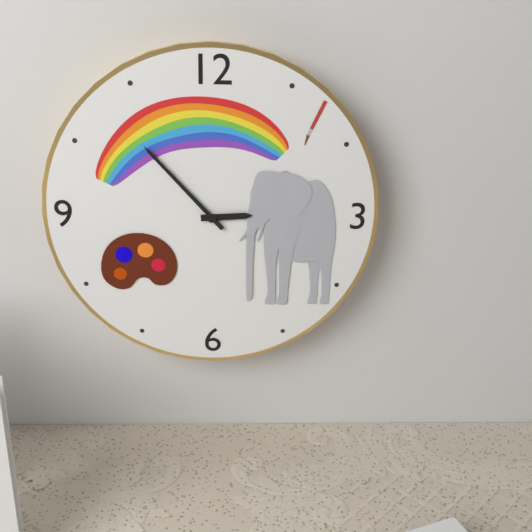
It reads 2:53
